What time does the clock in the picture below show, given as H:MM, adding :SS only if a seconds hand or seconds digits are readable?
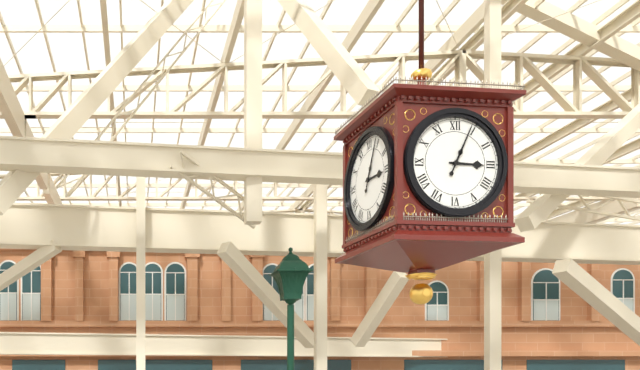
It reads 3:04
